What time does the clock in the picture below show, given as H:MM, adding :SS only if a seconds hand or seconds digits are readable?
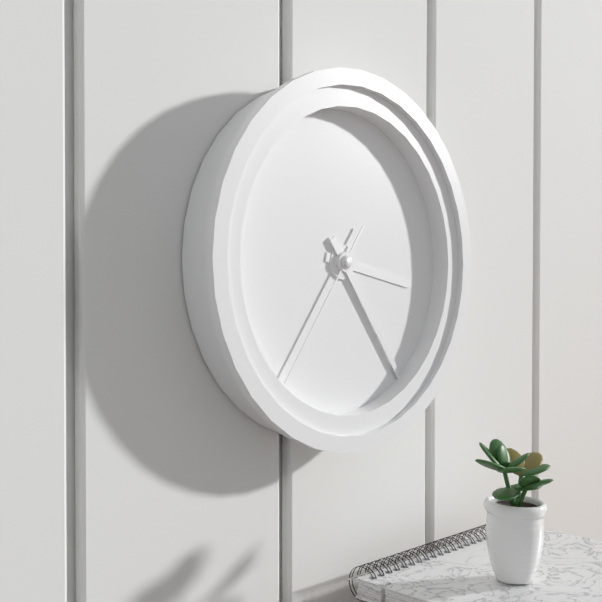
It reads 3:24:36
